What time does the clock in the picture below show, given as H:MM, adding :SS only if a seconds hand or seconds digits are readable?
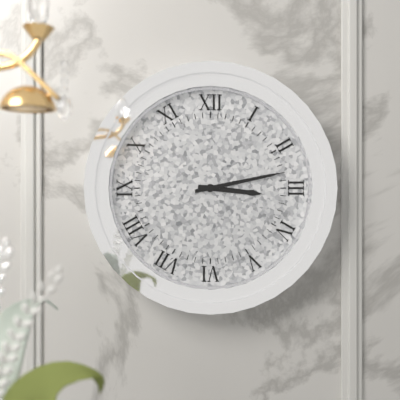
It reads 3:13
